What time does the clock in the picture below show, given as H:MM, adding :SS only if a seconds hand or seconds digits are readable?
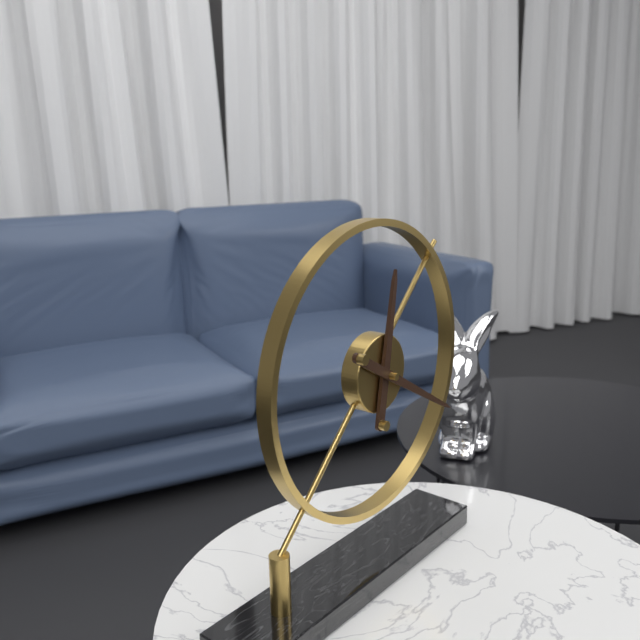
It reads 12:20
